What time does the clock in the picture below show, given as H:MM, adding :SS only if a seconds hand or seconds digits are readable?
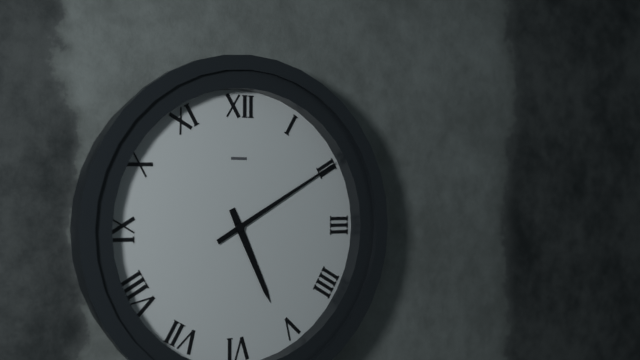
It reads 5:10
